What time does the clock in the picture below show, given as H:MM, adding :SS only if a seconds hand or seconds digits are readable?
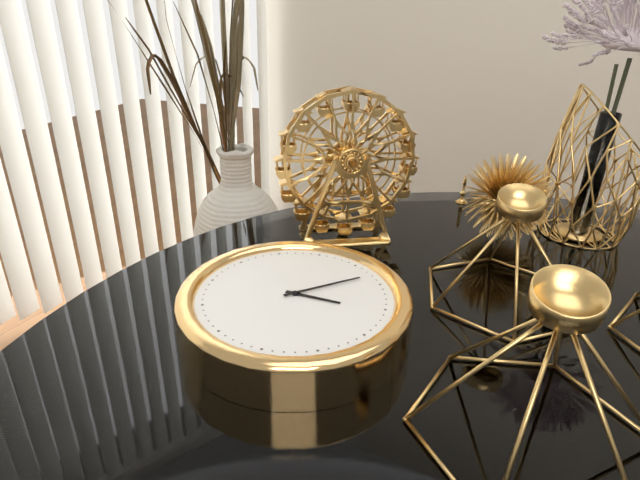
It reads 3:08
